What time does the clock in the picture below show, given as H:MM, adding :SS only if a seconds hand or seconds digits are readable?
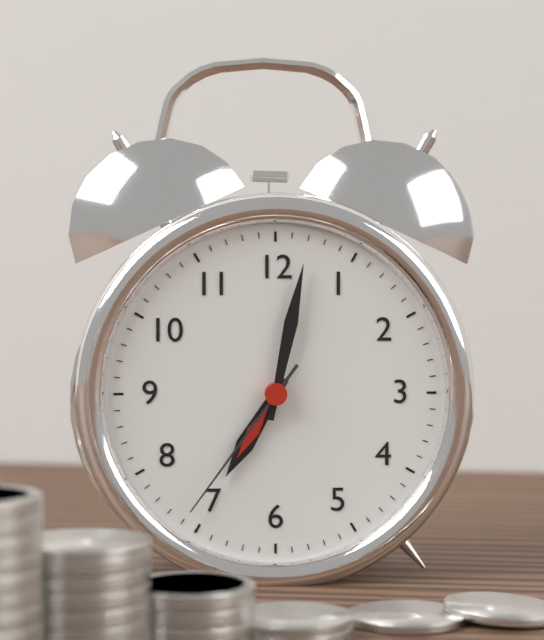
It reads 7:02:36
